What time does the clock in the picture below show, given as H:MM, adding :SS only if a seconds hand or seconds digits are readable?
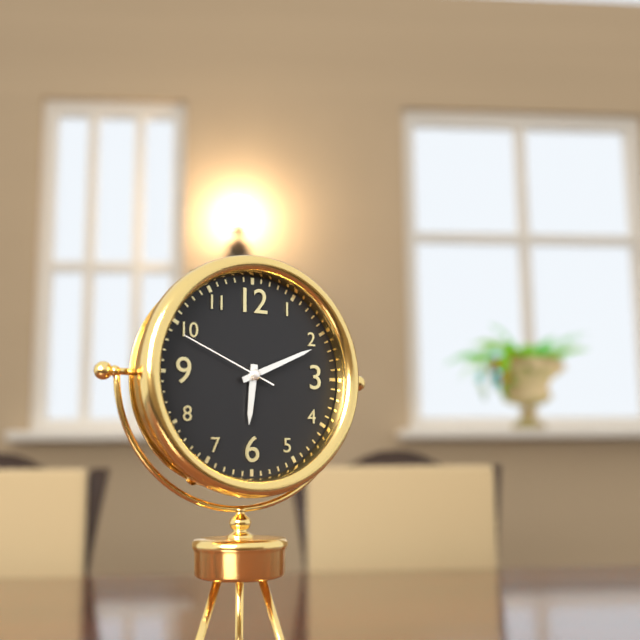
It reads 6:11:49
